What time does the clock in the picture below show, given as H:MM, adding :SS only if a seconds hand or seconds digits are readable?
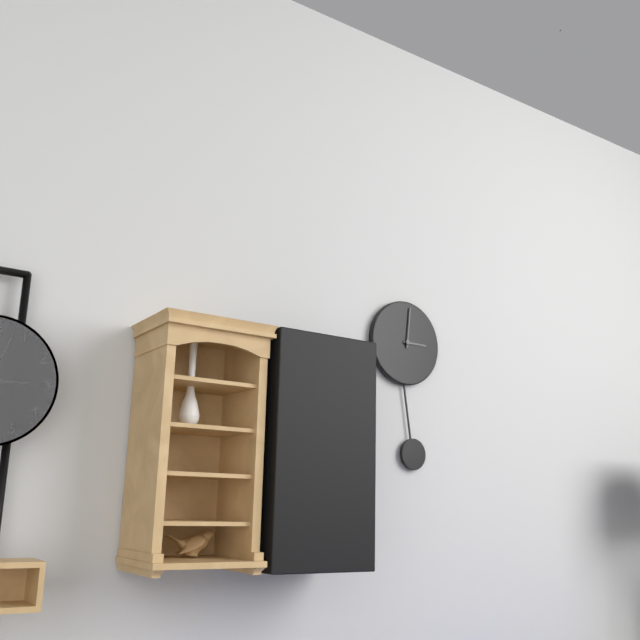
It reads 3:01
